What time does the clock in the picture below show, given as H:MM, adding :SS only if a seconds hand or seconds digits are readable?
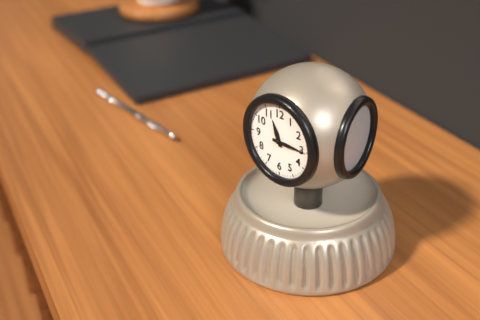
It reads 11:15
